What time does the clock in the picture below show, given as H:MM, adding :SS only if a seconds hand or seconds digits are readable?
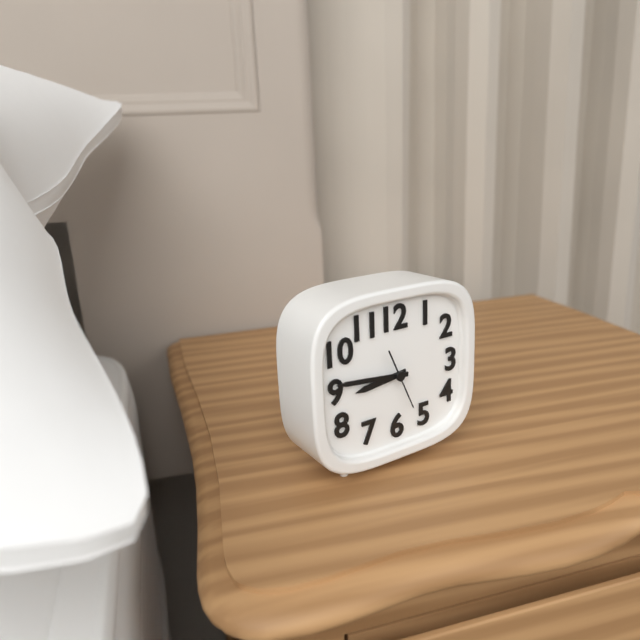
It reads 8:46
